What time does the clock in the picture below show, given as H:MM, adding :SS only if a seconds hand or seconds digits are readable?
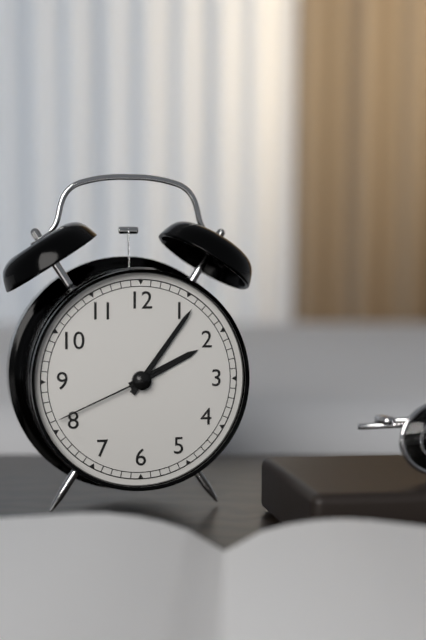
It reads 2:06:41
